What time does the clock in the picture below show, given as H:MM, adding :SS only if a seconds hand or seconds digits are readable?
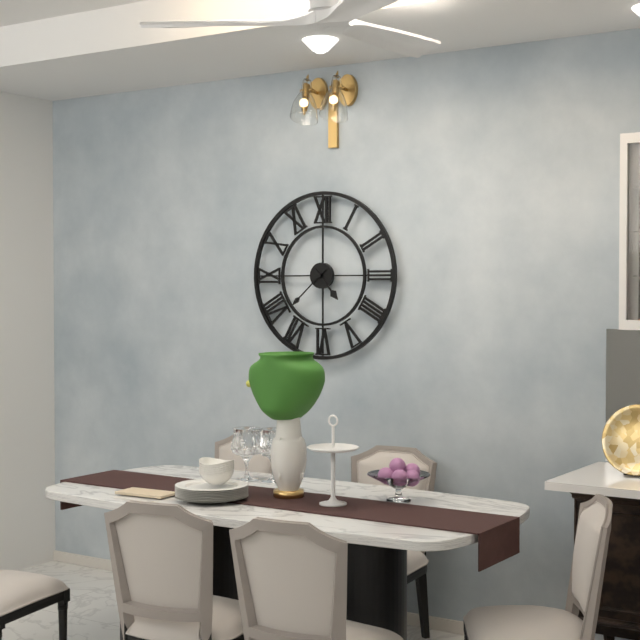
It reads 4:38
